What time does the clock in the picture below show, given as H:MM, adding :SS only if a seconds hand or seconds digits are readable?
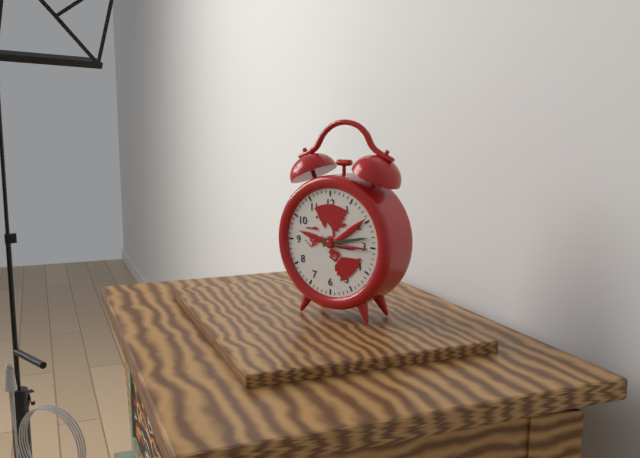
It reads 3:13
